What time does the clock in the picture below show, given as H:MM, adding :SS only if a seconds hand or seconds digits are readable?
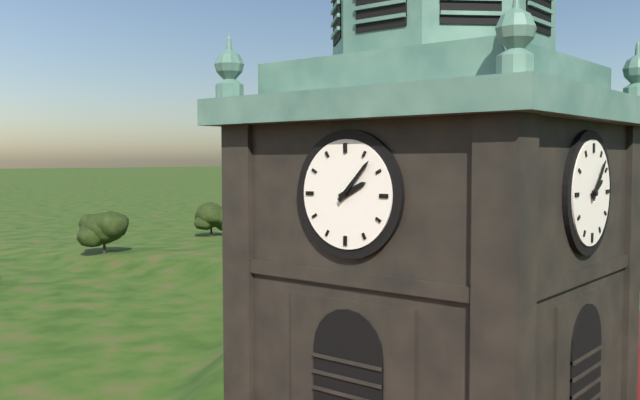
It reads 2:07
